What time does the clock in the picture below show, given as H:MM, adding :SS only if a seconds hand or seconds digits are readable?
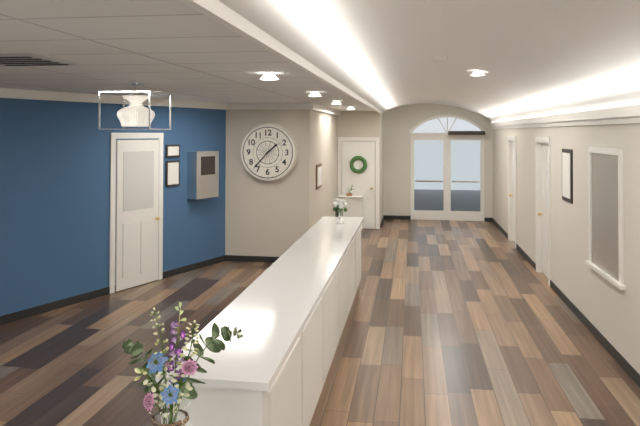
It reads 1:37
